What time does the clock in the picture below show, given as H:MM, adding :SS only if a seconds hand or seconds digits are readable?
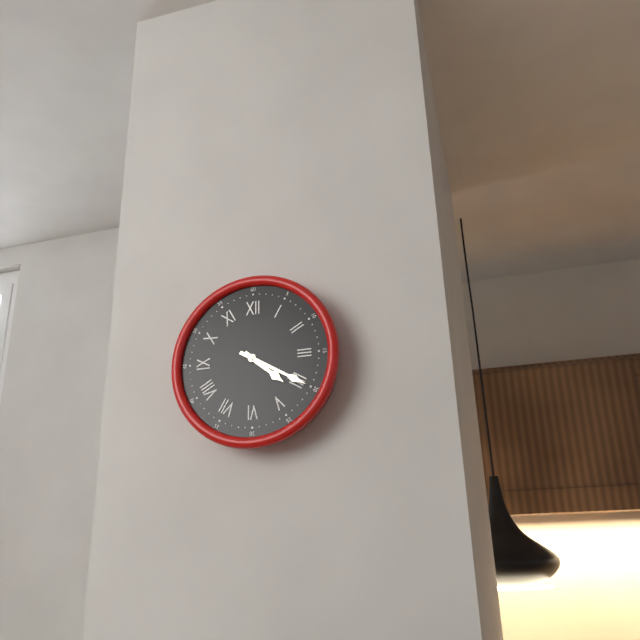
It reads 4:20
